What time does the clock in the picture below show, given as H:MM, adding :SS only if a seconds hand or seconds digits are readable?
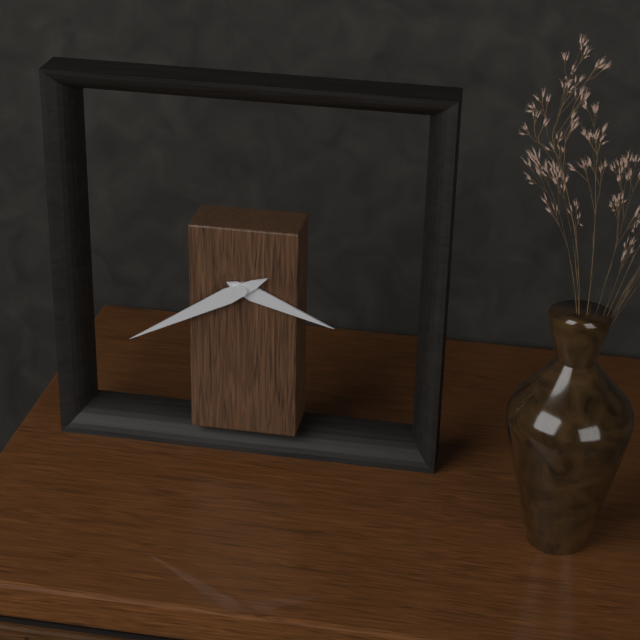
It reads 3:40
